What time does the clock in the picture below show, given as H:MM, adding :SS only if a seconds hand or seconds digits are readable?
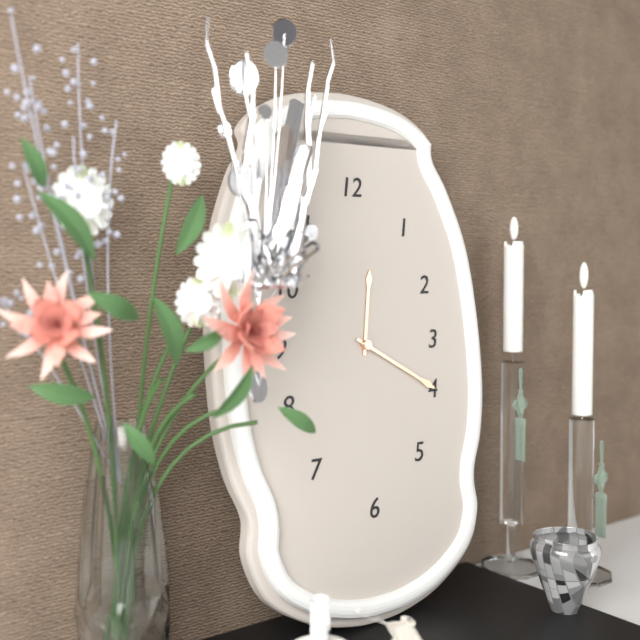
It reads 12:20
